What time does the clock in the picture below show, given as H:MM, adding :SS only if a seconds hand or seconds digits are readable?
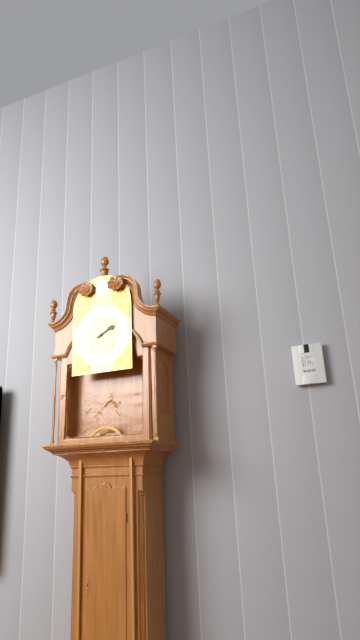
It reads 2:10
